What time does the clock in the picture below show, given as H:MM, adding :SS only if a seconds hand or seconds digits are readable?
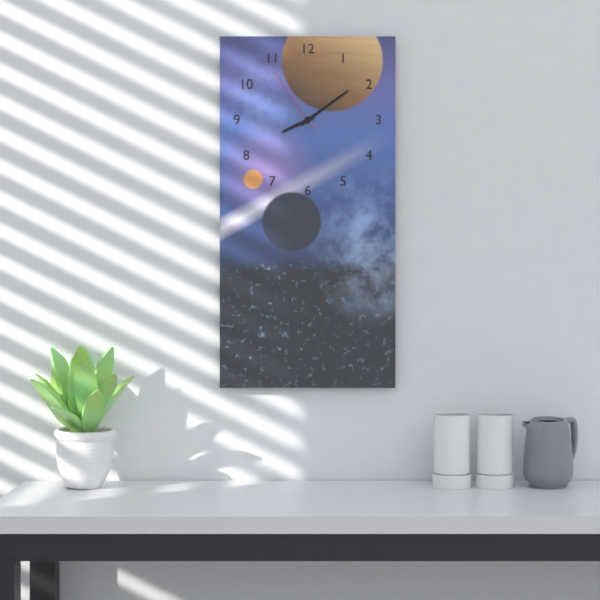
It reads 8:09:54
